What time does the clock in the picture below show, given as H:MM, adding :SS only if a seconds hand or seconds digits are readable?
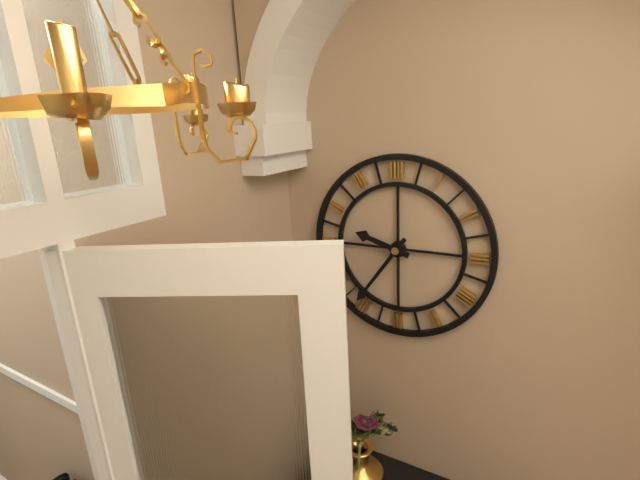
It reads 9:36
